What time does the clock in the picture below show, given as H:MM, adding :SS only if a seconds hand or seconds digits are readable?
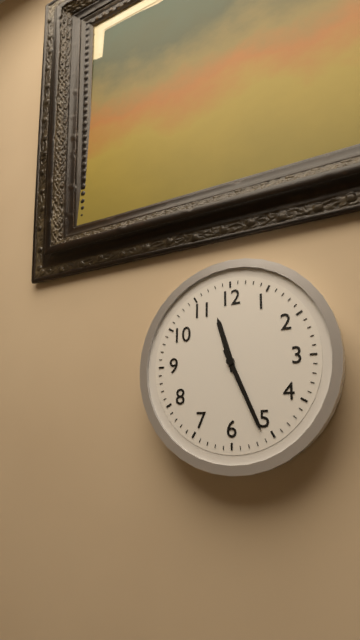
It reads 11:26
